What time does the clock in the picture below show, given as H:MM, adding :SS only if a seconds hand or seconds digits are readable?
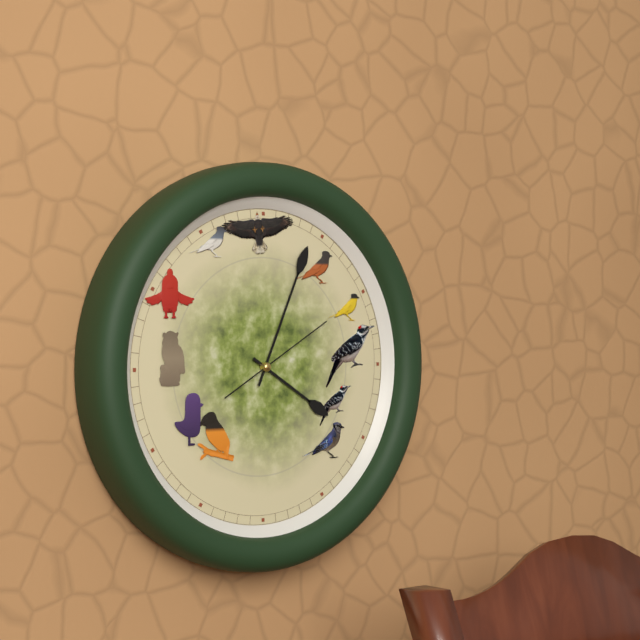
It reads 4:04:10
